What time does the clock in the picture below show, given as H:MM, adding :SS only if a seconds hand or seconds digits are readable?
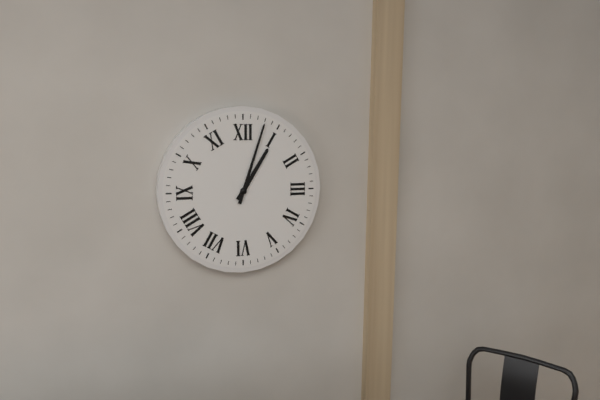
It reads 1:03
